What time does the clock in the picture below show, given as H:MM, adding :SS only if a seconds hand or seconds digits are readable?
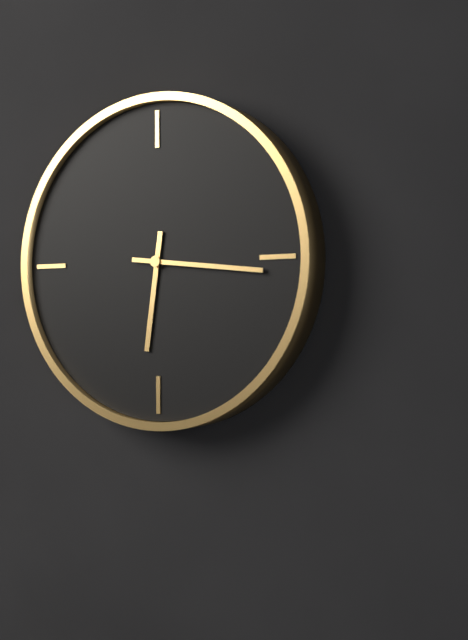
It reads 6:16
